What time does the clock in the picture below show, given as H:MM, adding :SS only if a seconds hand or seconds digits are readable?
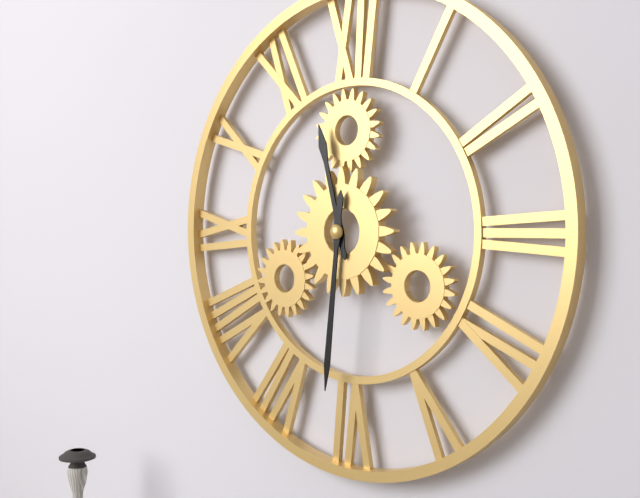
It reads 11:31
